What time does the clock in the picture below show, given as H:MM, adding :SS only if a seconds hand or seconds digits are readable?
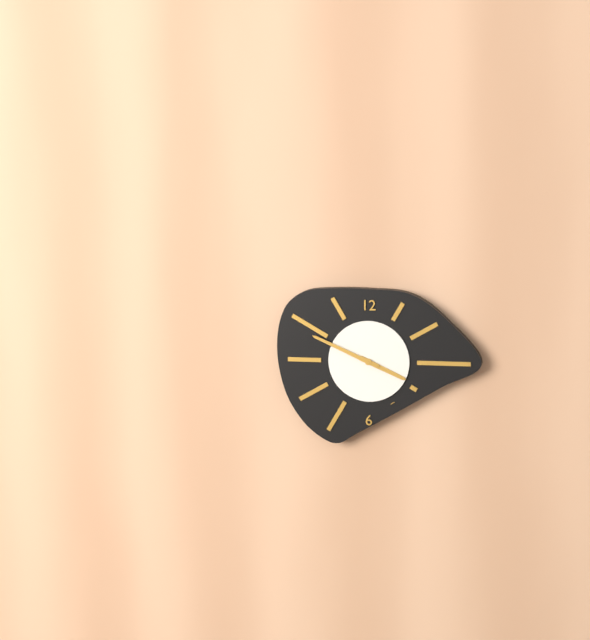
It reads 3:49
